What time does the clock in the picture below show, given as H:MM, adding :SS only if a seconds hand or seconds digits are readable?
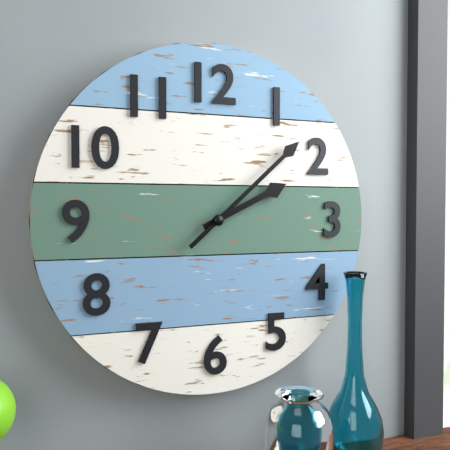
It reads 2:08
